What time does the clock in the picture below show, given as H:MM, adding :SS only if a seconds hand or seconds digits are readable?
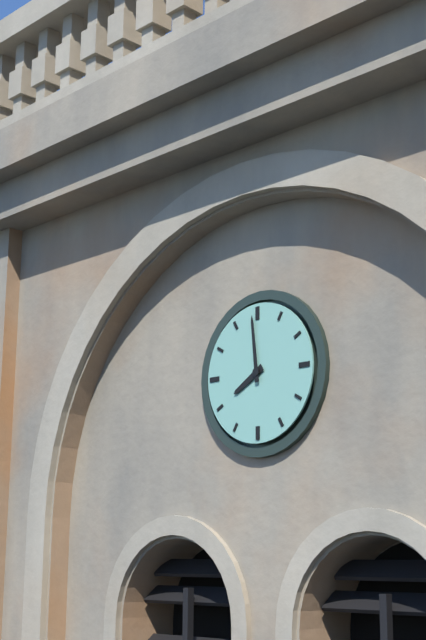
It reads 7:59
